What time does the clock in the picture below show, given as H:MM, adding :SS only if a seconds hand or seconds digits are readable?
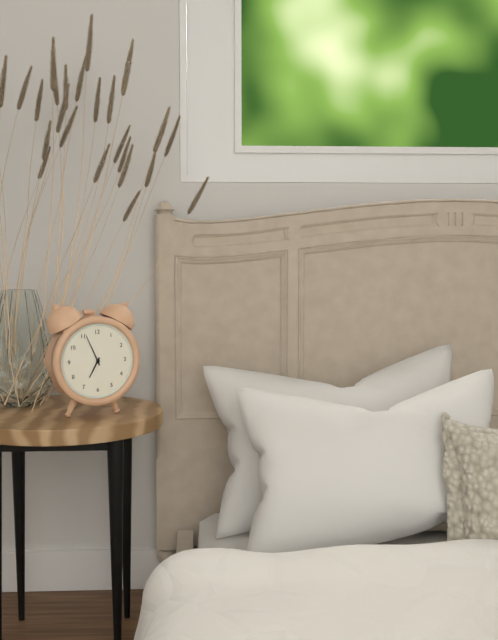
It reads 6:56
